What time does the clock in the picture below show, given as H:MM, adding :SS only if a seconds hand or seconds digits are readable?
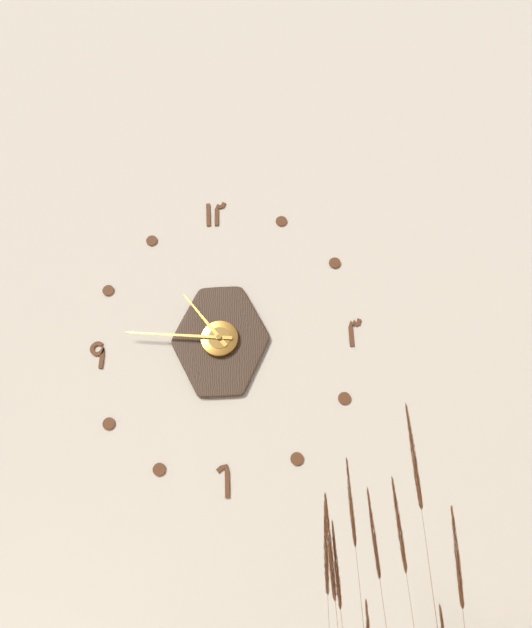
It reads 10:46
